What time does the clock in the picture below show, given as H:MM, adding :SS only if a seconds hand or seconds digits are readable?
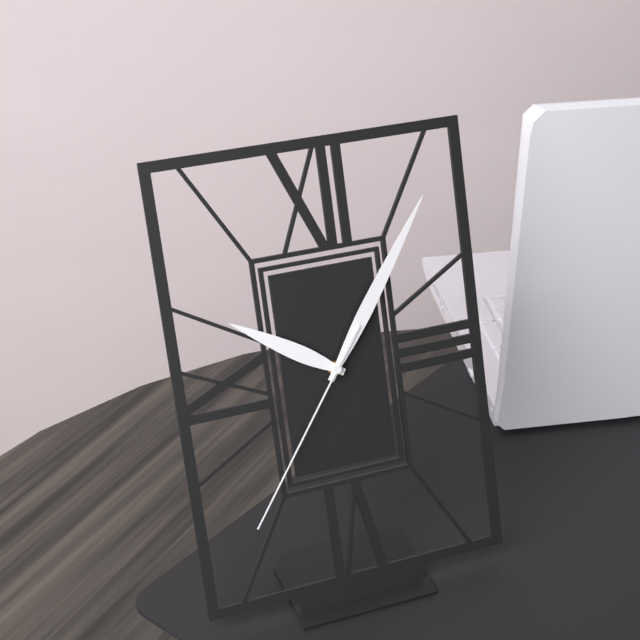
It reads 10:06:36
